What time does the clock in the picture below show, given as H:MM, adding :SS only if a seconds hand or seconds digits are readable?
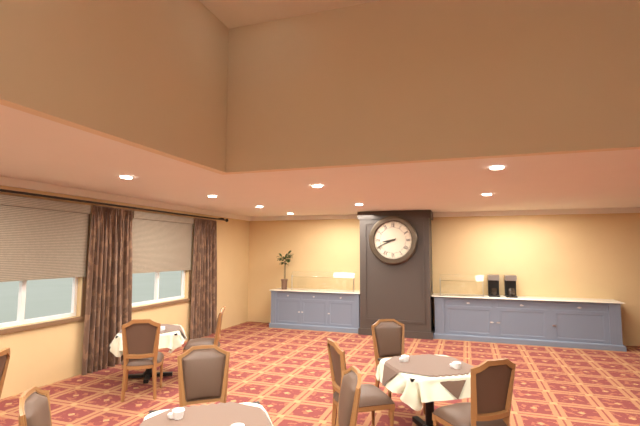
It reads 8:41
